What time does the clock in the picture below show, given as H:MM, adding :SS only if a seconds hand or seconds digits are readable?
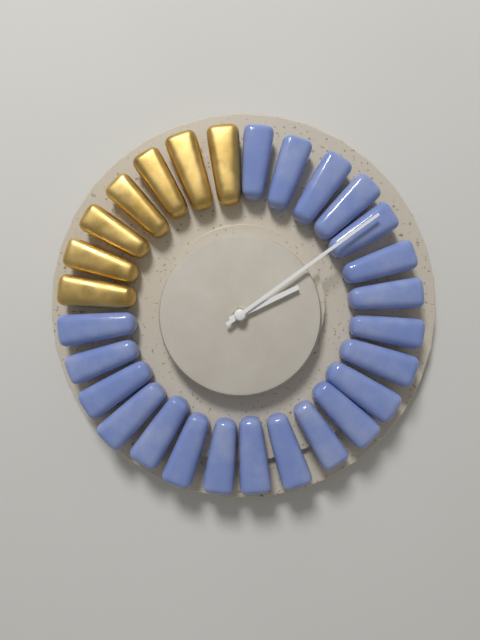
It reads 2:09
